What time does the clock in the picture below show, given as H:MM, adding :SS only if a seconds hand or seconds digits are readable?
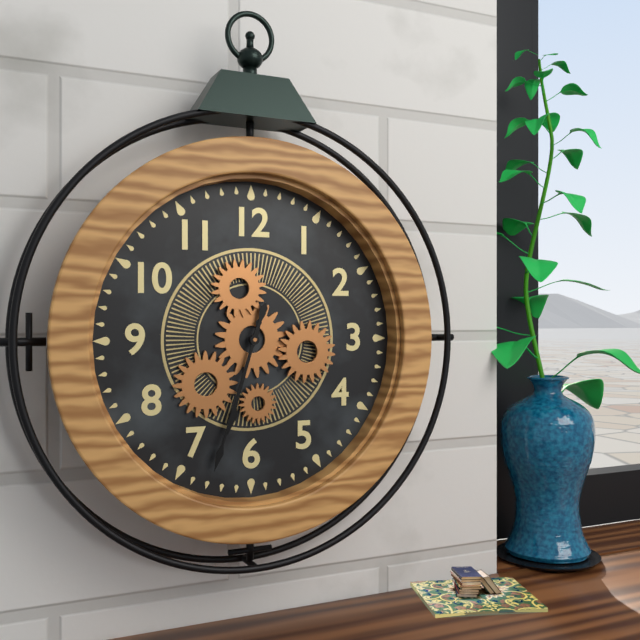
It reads 6:33
